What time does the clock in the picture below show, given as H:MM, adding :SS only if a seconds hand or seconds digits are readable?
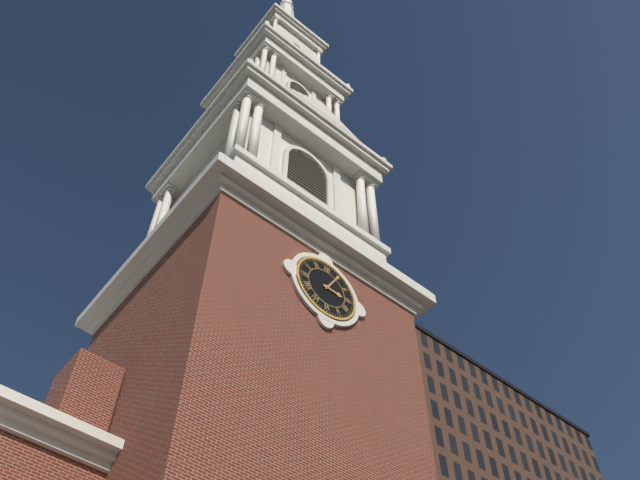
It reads 3:05
